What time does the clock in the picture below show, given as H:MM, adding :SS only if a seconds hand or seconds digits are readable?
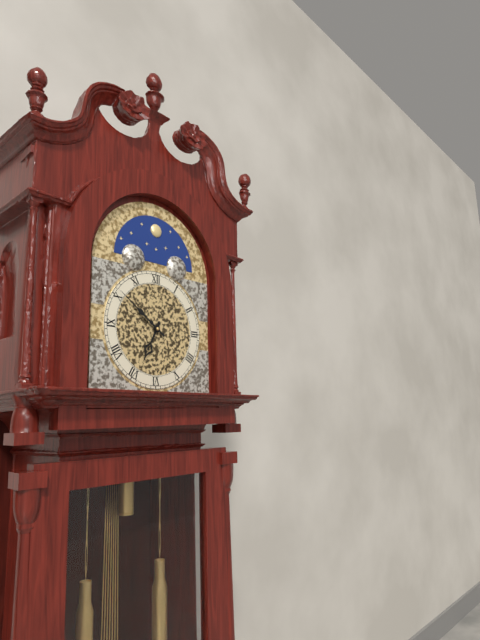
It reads 6:51
